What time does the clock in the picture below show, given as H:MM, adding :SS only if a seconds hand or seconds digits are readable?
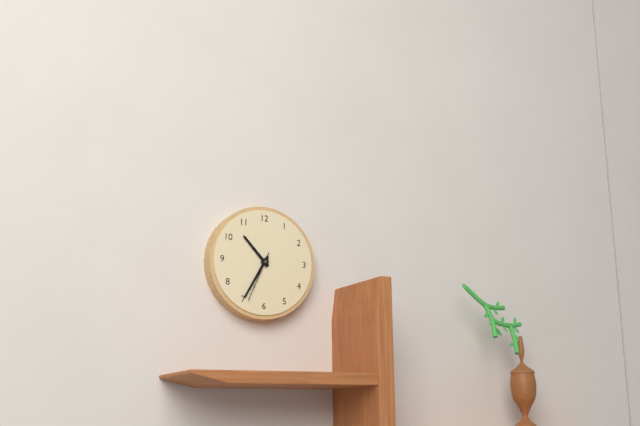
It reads 10:35:34
